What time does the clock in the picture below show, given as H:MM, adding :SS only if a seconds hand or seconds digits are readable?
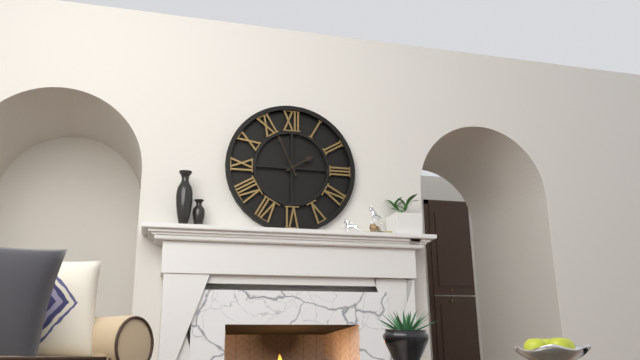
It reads 1:56
